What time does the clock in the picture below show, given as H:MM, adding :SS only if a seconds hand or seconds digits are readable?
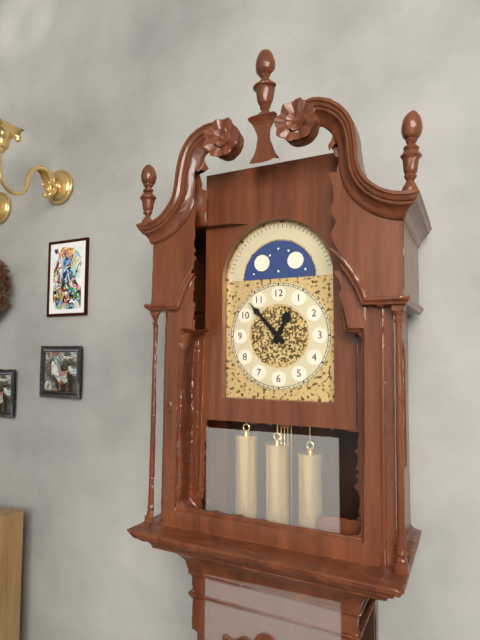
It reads 12:53
